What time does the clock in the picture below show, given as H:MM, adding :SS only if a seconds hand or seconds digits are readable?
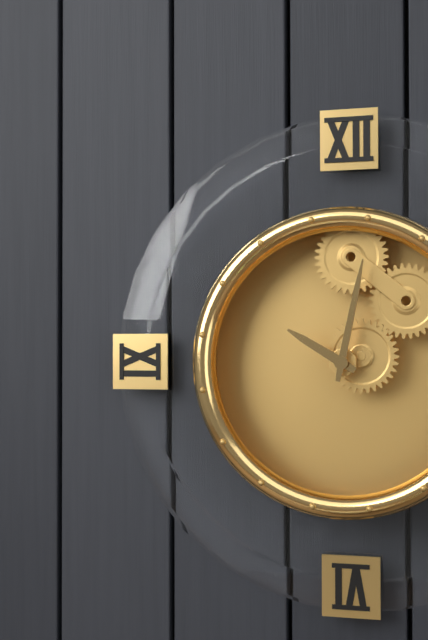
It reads 10:02
